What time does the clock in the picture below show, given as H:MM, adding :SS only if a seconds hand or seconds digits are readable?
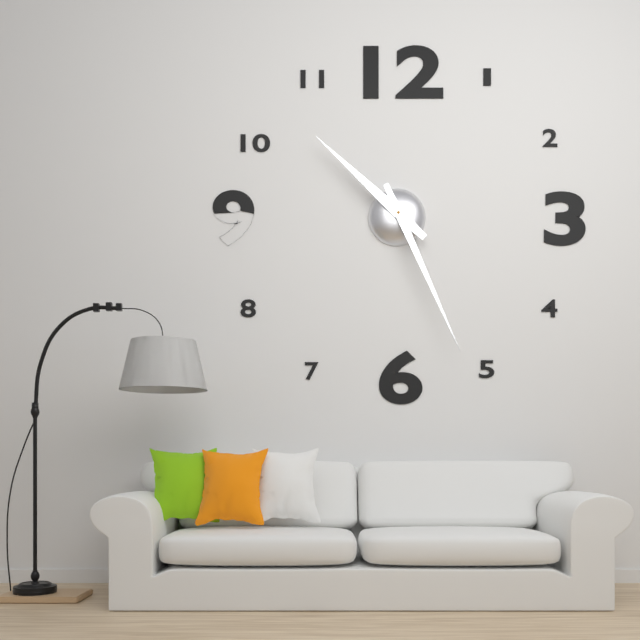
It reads 10:26
